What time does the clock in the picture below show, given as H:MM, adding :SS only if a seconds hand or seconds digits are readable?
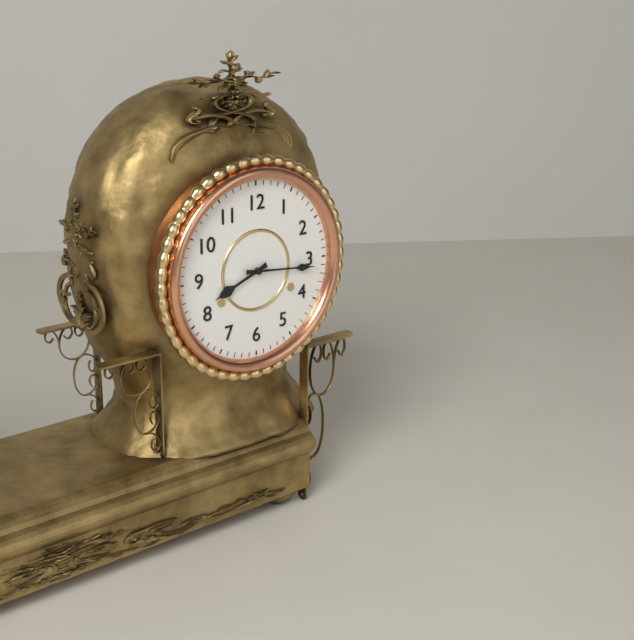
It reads 8:16
